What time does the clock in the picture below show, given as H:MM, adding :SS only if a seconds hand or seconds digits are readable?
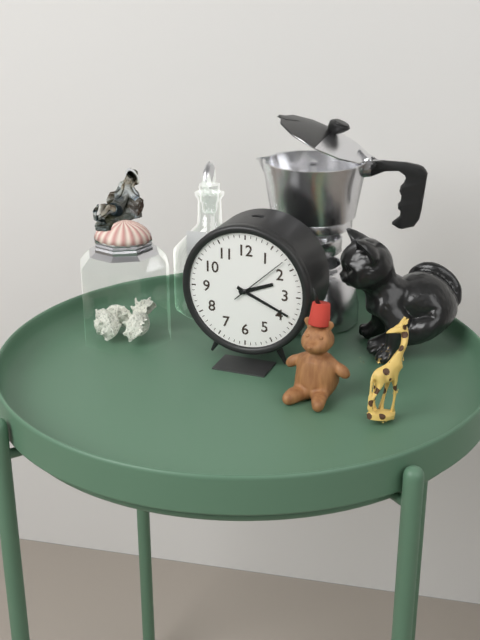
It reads 2:19:08
